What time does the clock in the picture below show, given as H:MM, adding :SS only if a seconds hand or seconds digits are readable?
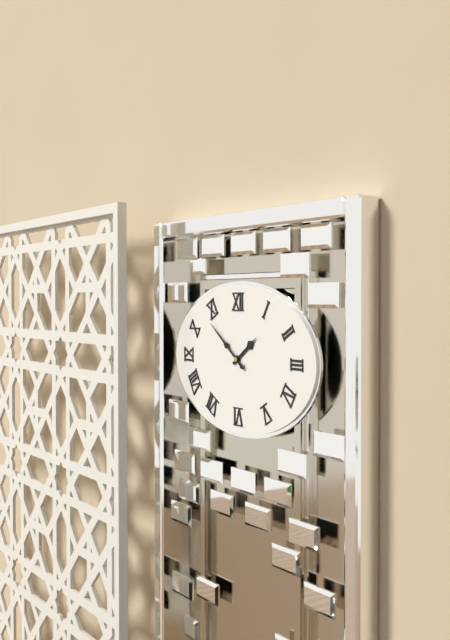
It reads 1:51
